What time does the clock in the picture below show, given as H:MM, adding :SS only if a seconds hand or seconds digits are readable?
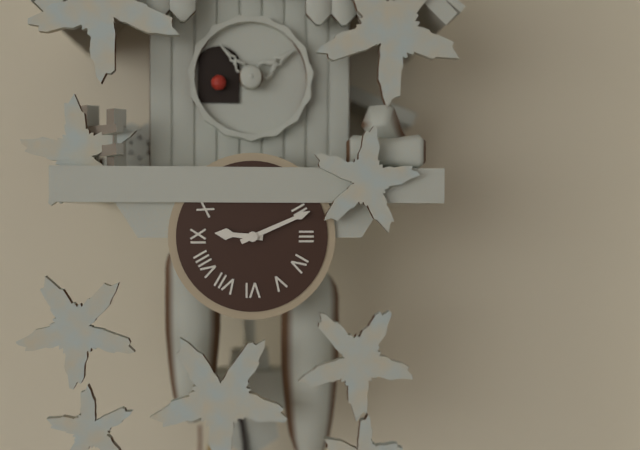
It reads 9:11
